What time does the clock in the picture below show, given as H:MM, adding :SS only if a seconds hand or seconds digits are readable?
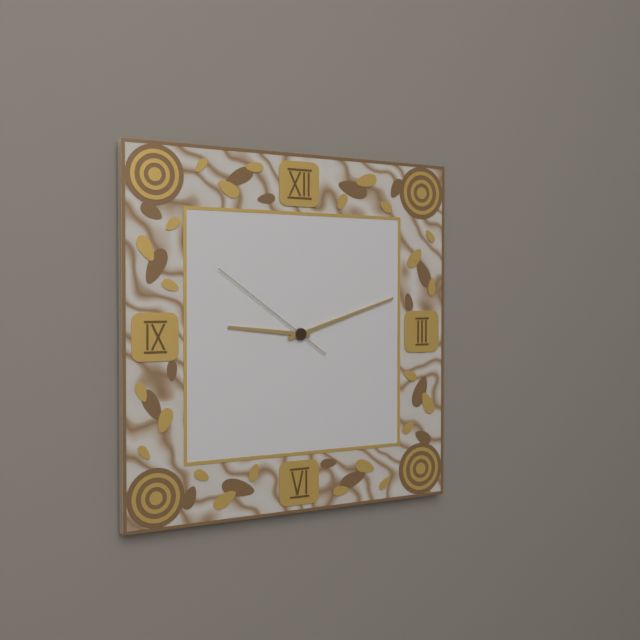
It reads 9:12:51
